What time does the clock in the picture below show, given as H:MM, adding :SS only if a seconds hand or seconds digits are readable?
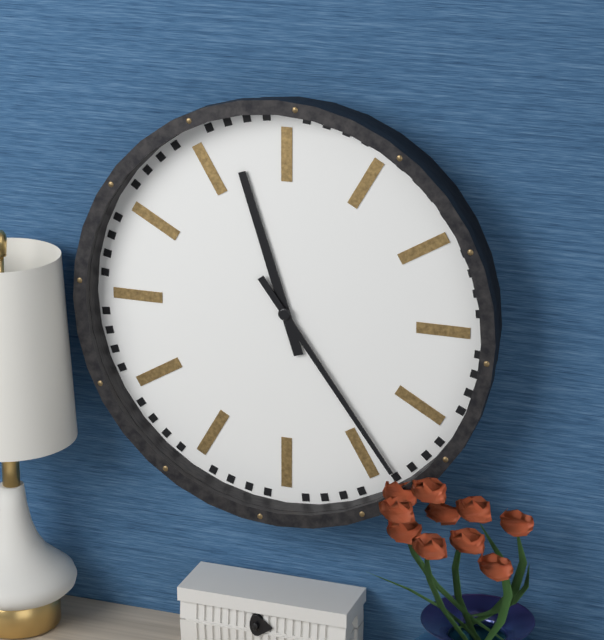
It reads 11:24
